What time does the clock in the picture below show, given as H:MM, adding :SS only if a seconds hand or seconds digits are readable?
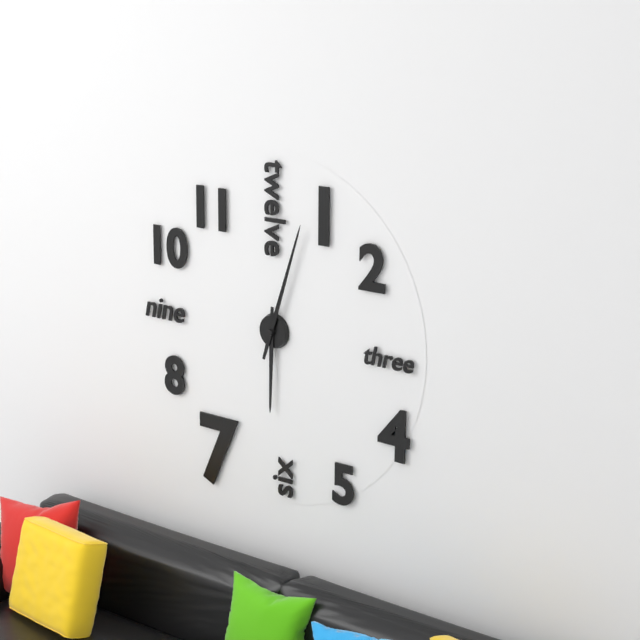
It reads 6:03
